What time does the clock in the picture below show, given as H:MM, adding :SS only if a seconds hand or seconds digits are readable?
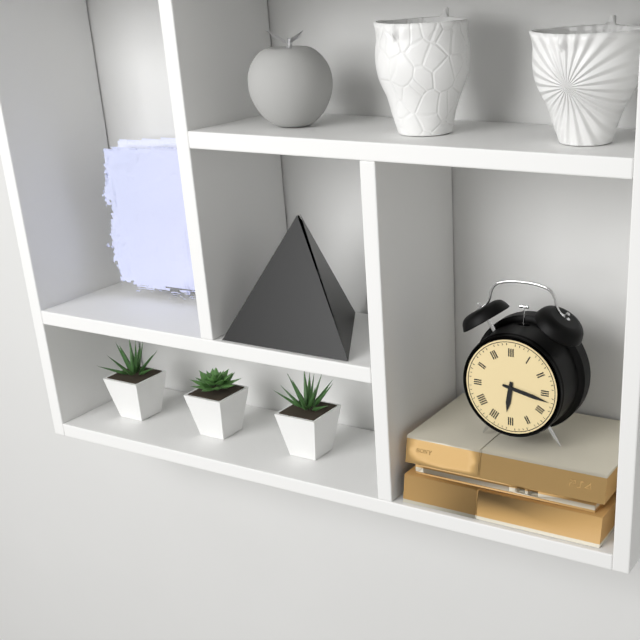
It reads 6:17
